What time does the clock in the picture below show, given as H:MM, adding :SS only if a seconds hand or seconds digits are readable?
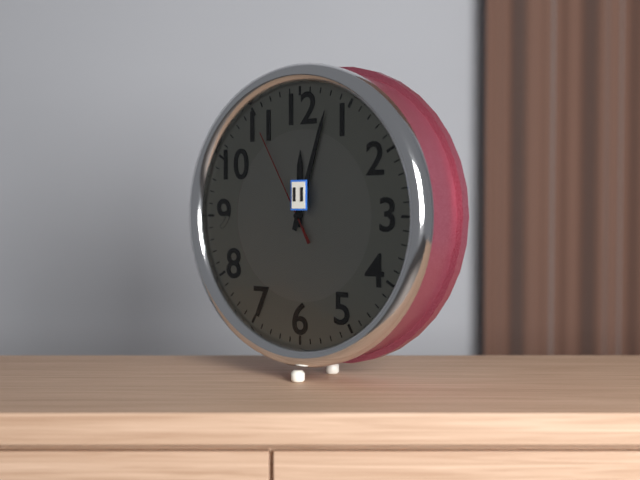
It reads 12:03:55
